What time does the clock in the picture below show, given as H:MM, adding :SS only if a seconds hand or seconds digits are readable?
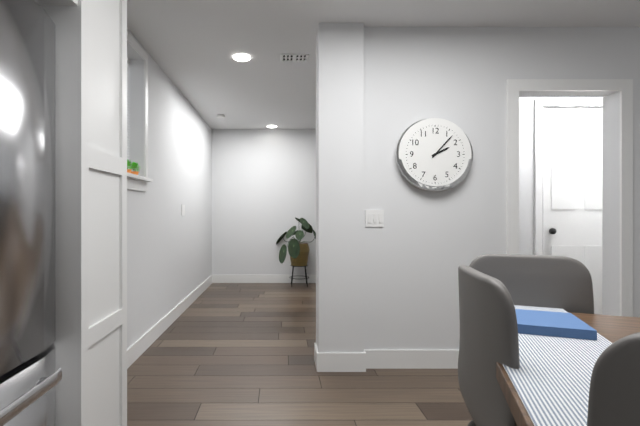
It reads 2:07
